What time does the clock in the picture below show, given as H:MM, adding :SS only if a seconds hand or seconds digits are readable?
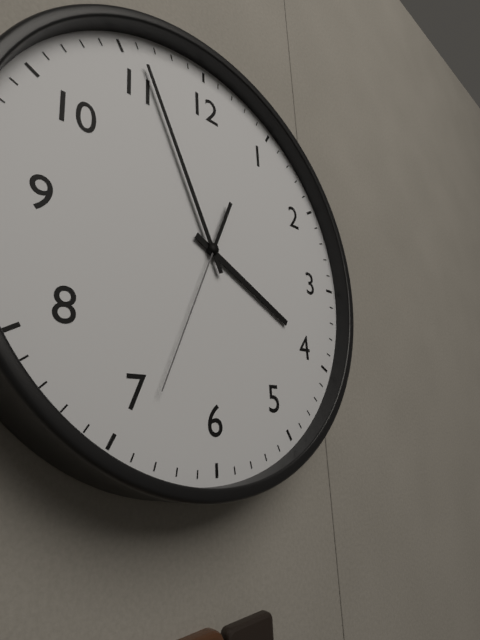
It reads 3:56:34
